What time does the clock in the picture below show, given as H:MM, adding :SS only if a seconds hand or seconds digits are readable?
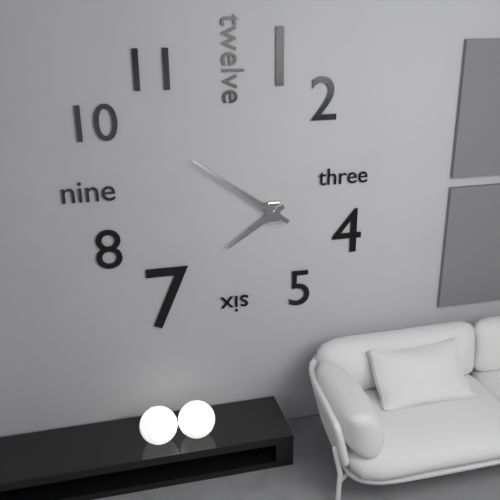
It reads 7:51
